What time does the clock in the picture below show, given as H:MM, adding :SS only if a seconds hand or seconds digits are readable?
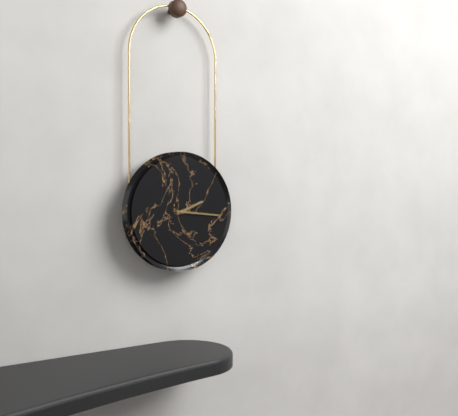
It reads 2:16
